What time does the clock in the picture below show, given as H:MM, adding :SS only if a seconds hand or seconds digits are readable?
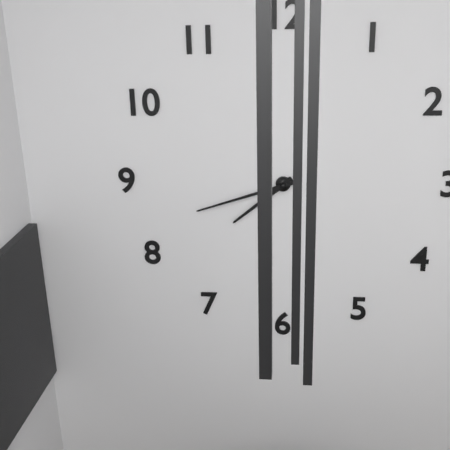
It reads 7:42
